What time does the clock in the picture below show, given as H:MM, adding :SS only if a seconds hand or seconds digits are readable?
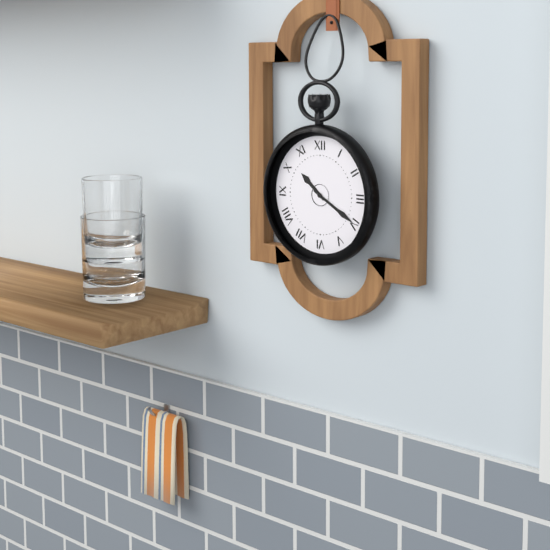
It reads 10:20
